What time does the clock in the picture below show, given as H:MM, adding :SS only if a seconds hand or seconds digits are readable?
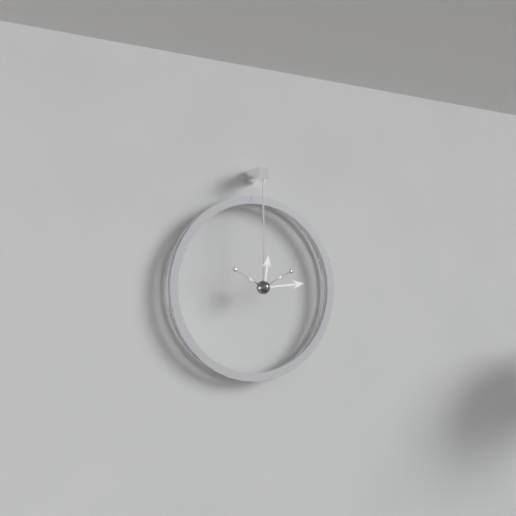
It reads 12:14
